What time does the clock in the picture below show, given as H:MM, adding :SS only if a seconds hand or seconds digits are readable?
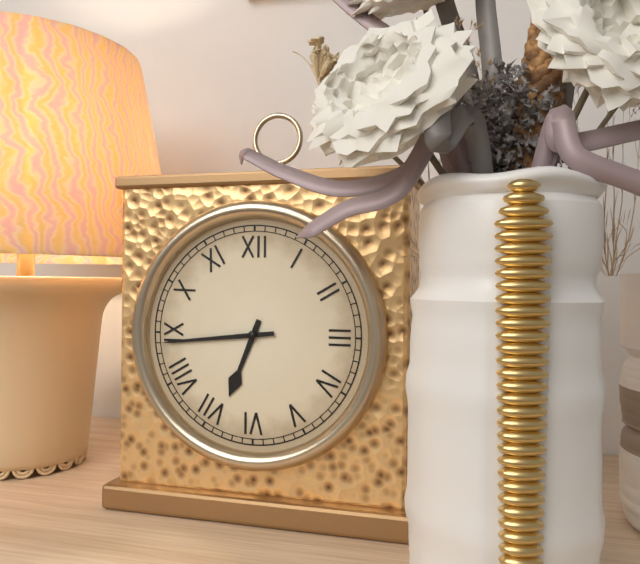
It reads 6:44
